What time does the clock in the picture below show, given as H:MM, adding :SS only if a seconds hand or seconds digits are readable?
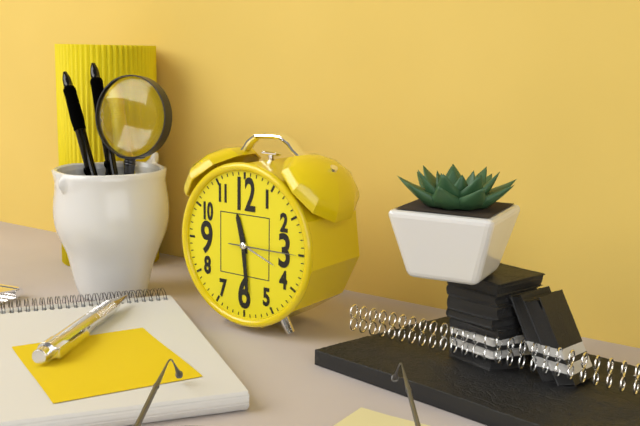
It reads 11:29:15
